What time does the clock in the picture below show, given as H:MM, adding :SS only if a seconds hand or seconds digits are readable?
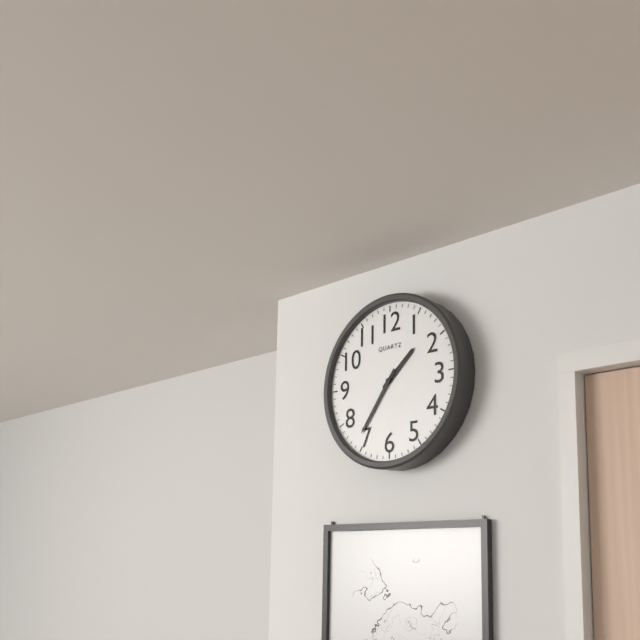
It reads 1:36
